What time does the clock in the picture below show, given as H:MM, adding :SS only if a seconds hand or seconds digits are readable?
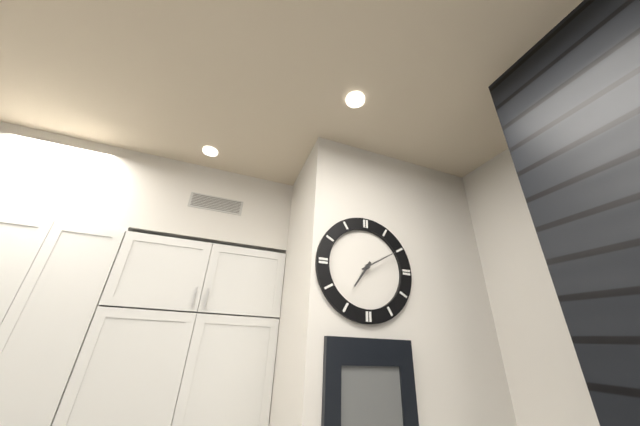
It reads 7:10
